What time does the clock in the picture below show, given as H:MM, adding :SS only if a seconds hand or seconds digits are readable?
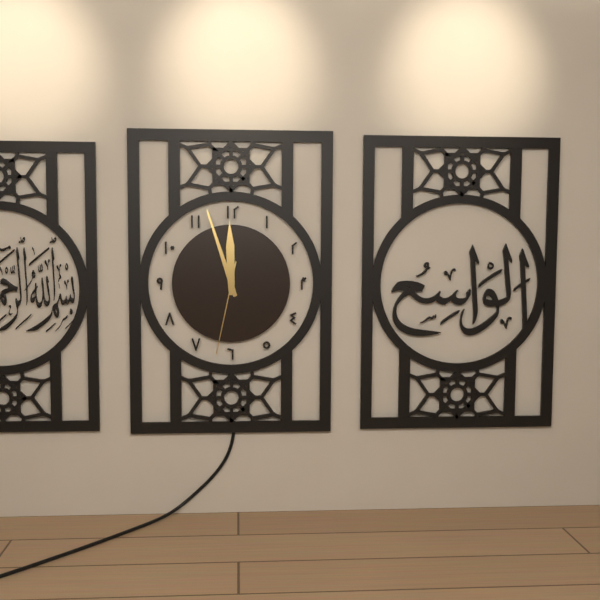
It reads 11:57:32
